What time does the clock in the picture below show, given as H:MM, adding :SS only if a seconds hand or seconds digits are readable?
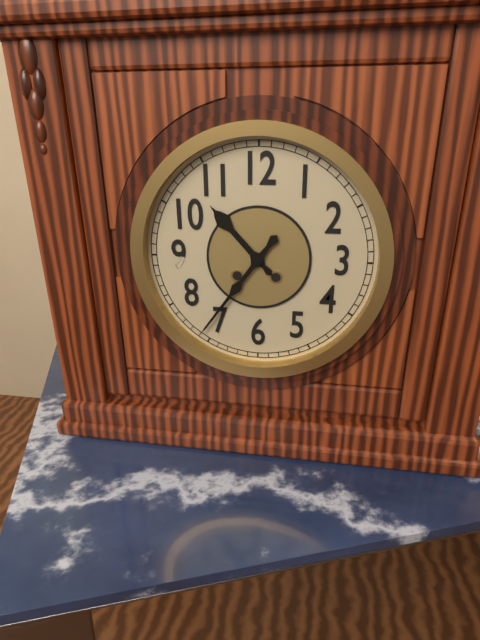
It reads 10:36
